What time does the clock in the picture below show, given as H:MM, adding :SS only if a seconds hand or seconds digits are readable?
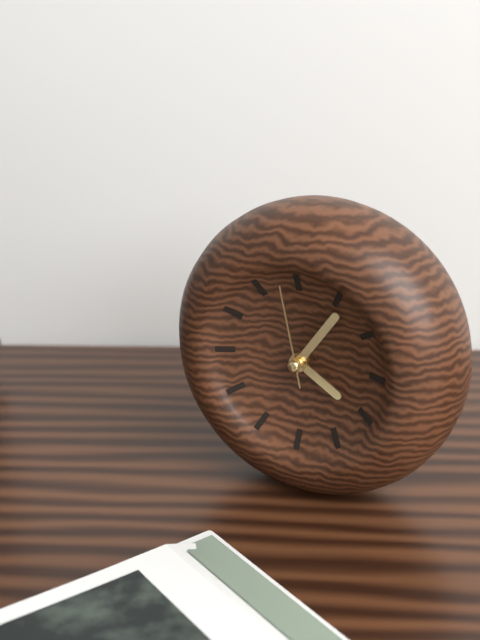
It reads 4:06:58
